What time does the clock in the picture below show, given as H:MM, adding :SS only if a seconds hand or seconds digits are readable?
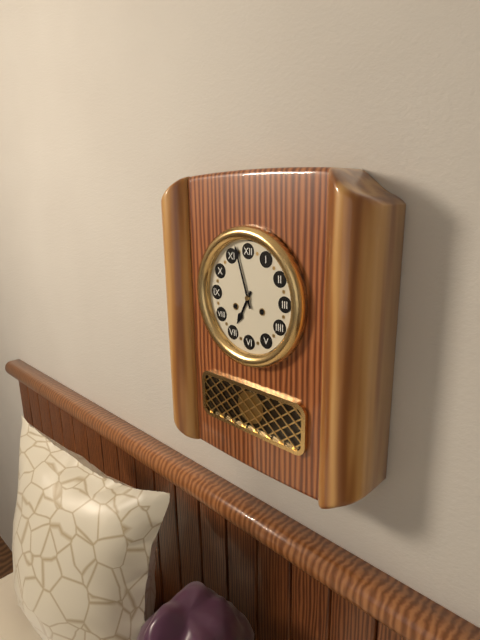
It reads 6:57
